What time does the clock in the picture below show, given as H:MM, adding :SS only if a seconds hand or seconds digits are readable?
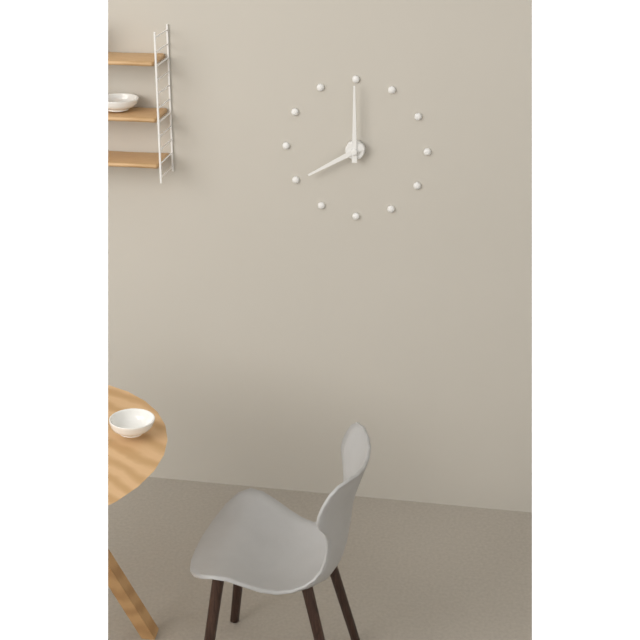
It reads 8:00
